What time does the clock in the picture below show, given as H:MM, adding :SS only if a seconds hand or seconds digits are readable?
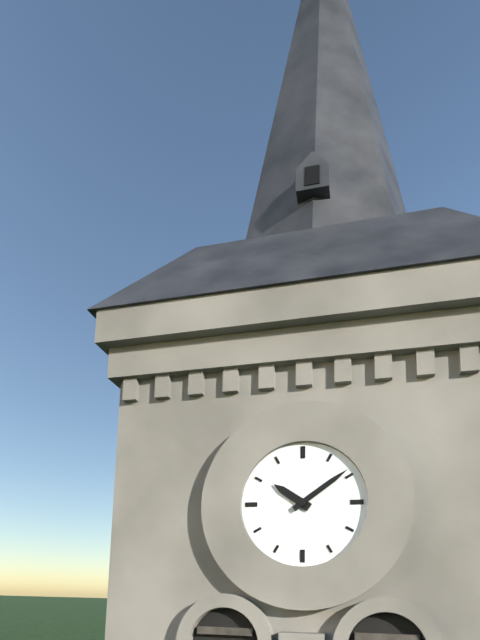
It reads 10:09
